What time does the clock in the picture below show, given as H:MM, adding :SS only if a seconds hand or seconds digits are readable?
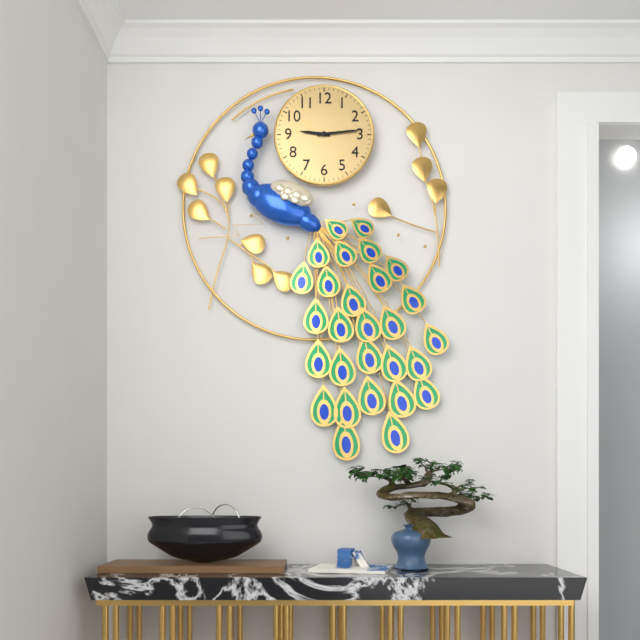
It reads 9:14
